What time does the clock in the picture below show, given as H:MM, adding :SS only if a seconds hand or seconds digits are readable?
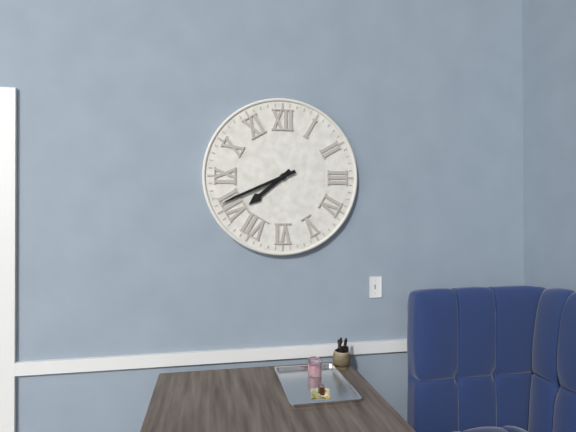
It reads 7:41
